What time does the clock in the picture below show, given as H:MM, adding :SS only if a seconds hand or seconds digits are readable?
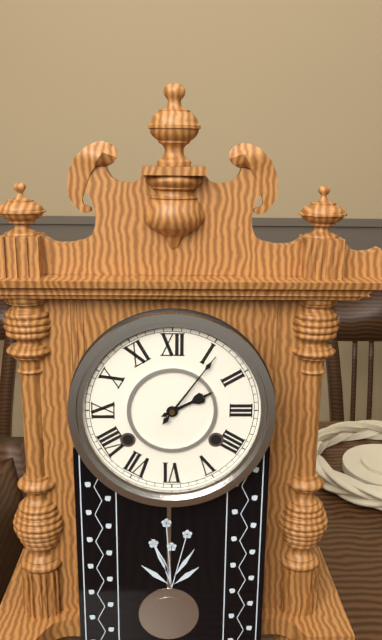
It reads 2:06
